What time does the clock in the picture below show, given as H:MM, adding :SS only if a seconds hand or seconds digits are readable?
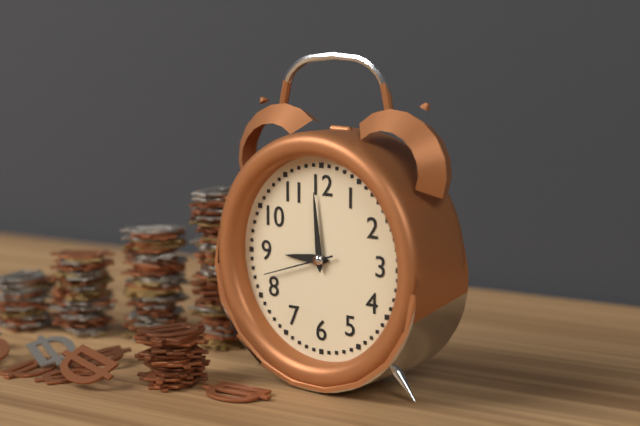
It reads 8:59:42
